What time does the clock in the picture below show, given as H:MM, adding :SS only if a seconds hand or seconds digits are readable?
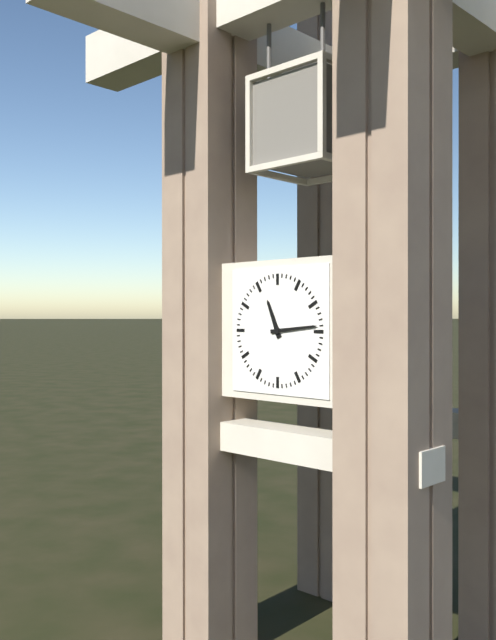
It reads 11:14
